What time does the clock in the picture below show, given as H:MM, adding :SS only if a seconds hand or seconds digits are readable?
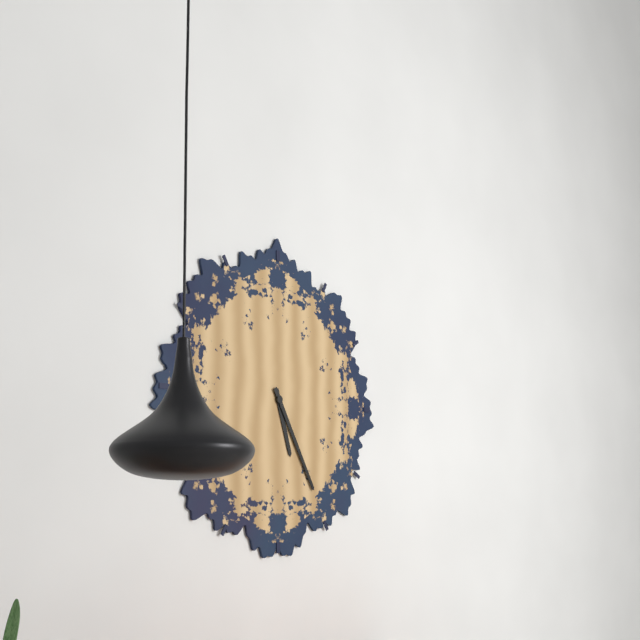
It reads 5:25
